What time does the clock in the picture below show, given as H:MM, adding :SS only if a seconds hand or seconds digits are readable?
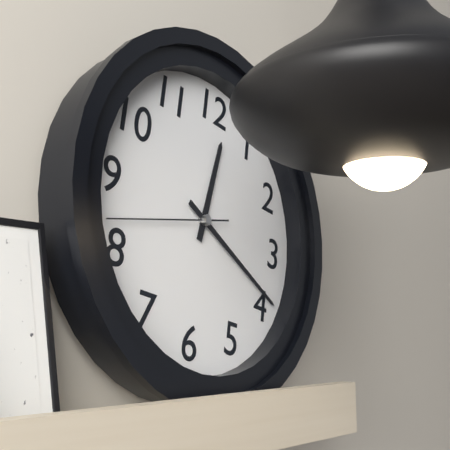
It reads 12:19:42
